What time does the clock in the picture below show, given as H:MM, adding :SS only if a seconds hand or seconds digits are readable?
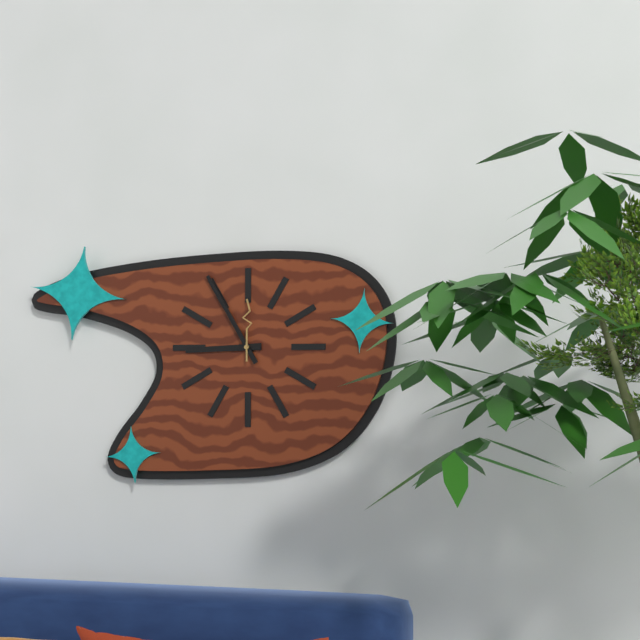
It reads 8:55:00
